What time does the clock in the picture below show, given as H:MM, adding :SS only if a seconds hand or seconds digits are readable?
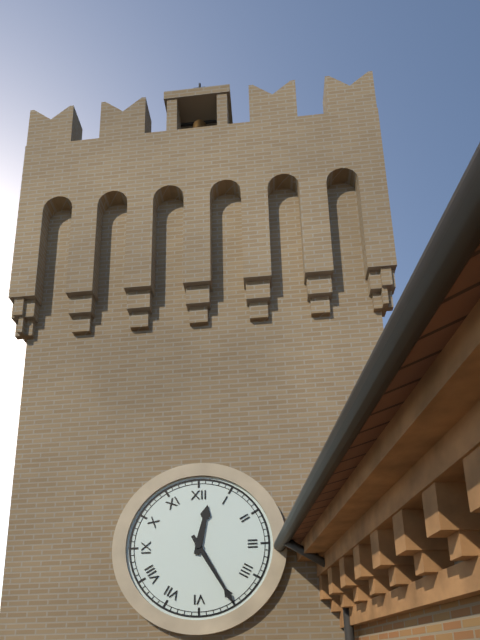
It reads 12:25
